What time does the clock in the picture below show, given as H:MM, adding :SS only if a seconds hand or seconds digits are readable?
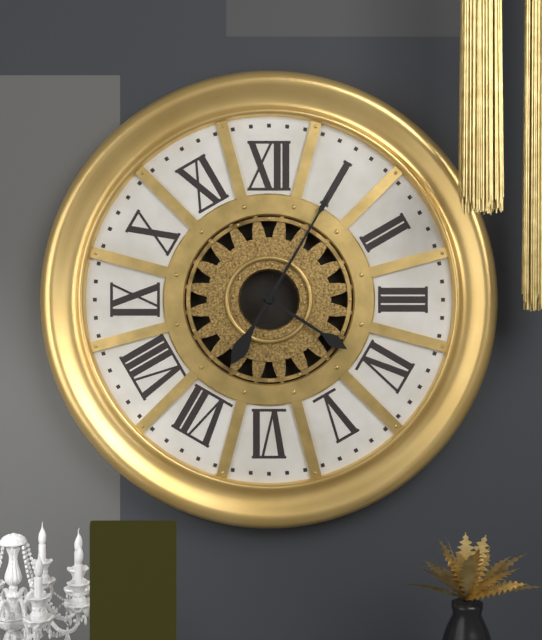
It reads 4:05
